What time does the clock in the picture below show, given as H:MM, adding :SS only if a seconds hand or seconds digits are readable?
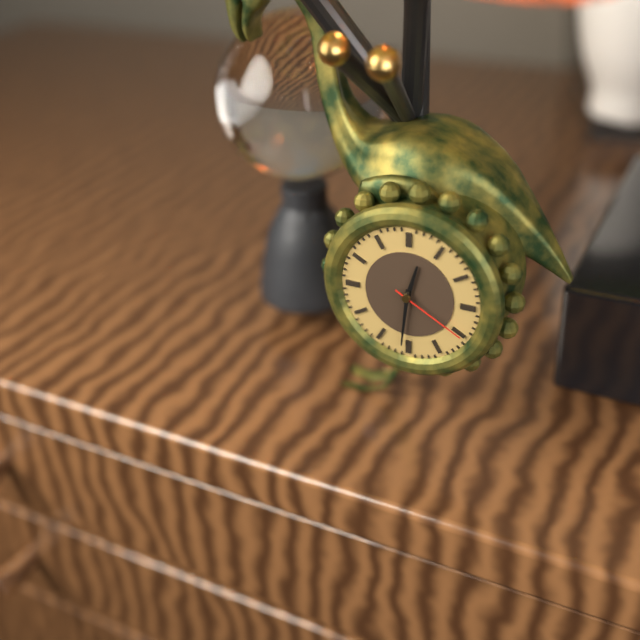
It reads 12:31:20
